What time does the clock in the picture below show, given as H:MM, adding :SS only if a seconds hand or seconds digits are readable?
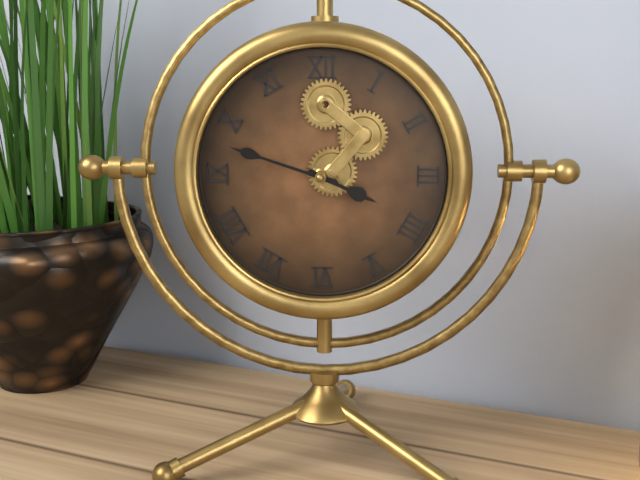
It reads 3:48
